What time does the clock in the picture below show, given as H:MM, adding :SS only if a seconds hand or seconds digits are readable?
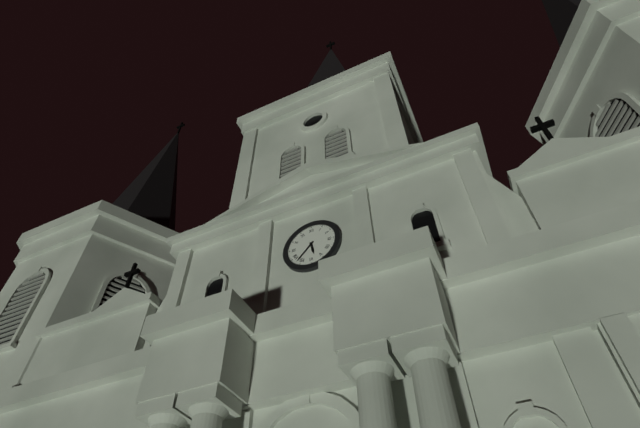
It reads 5:37
